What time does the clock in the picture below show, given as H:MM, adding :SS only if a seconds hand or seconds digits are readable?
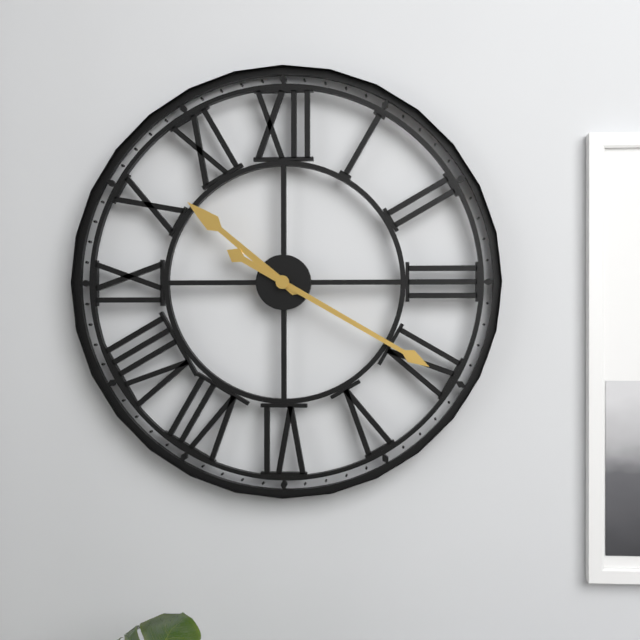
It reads 10:20
